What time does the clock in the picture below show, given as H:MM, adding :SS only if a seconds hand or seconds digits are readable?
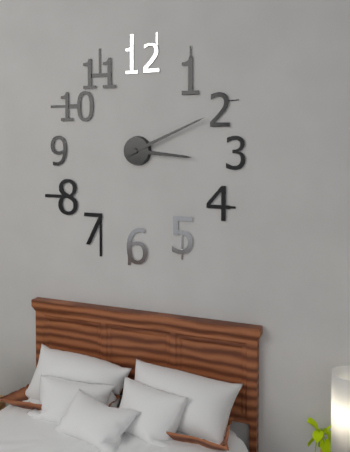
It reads 3:11
